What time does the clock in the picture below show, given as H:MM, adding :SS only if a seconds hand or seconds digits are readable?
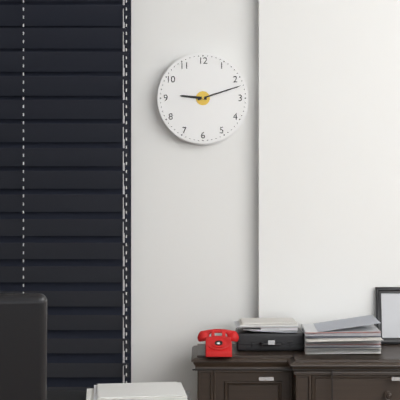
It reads 9:12
